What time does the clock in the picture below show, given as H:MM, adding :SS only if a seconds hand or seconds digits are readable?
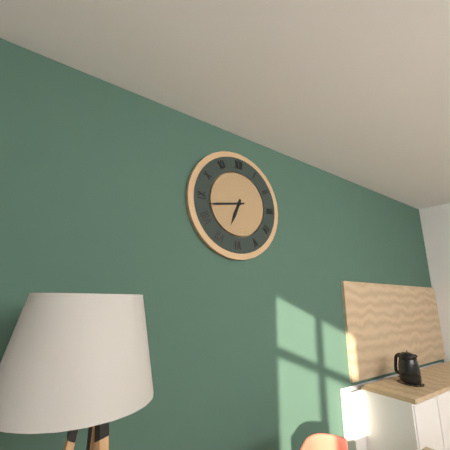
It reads 6:43
